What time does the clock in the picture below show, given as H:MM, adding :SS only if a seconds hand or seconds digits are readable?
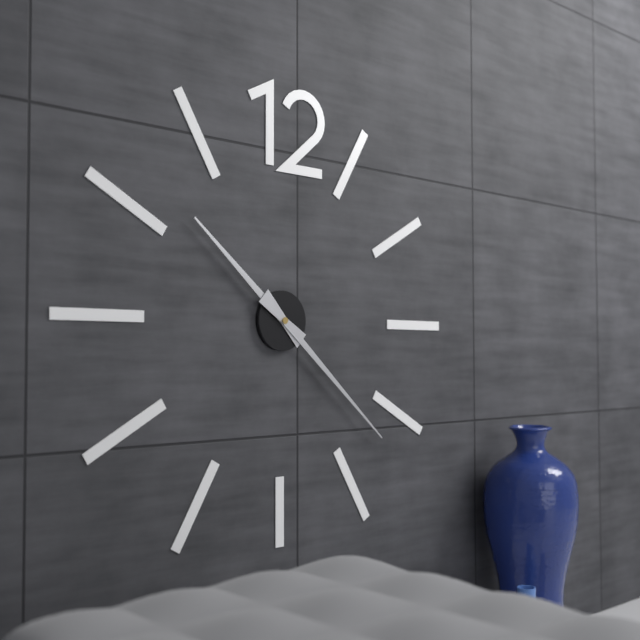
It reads 10:22
